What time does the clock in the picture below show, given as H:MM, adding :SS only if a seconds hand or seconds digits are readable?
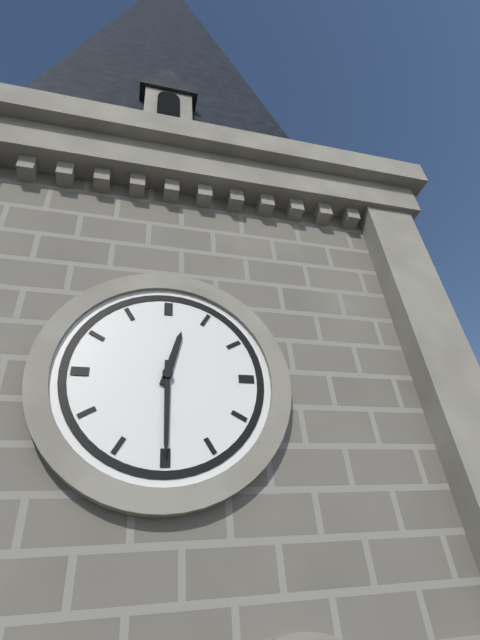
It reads 12:30
